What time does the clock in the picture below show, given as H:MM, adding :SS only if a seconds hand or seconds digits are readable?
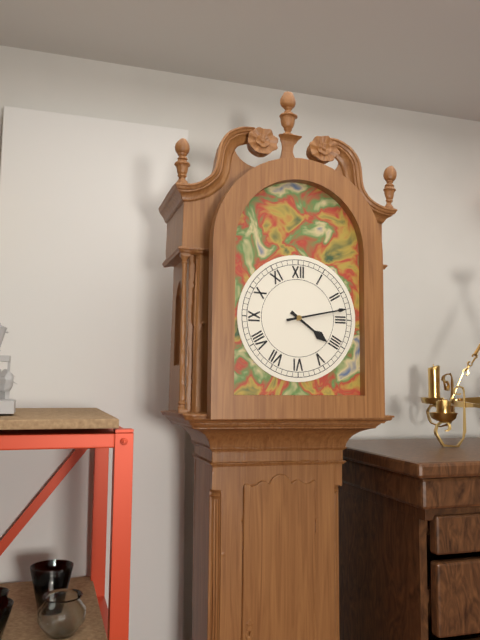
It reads 4:13
